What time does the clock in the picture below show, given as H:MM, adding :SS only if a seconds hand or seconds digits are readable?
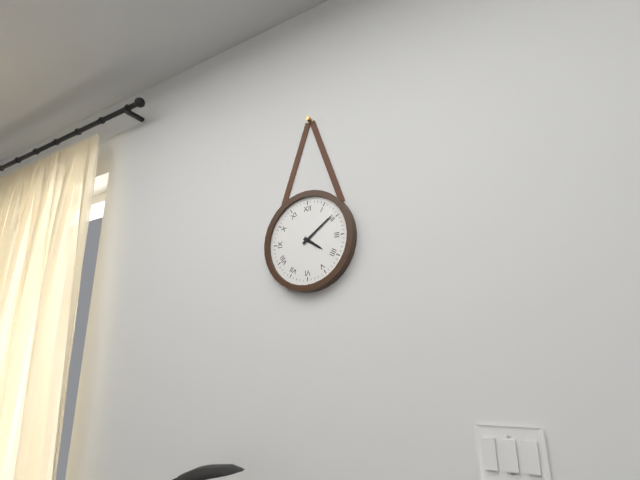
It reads 4:09
